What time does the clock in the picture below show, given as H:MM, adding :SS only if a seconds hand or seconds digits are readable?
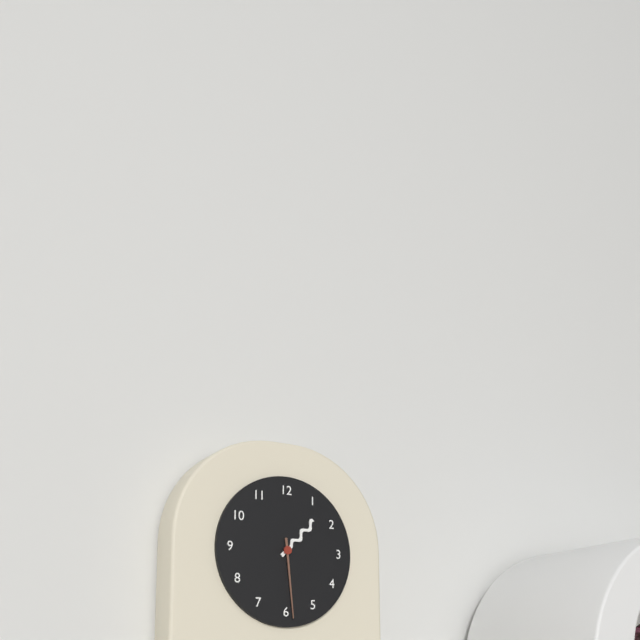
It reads 1:29
